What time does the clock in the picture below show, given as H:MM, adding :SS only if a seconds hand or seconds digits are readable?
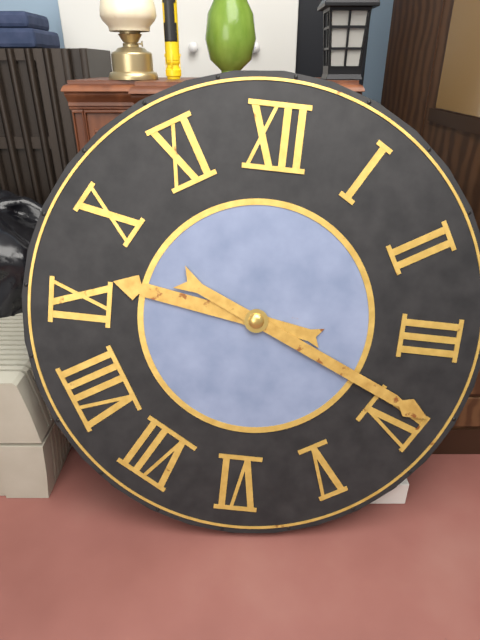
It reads 9:19
